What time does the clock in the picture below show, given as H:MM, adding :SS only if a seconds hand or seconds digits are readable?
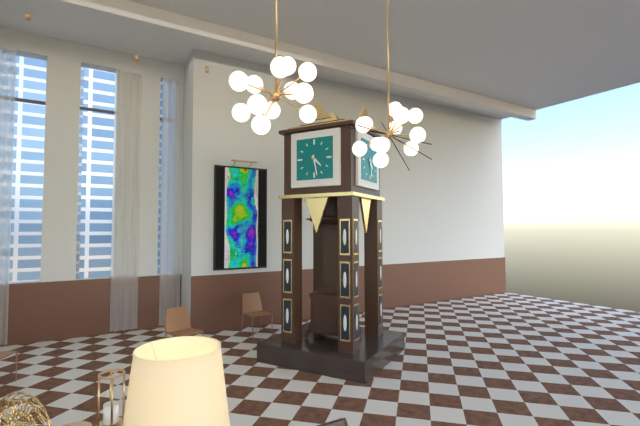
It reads 4:28
